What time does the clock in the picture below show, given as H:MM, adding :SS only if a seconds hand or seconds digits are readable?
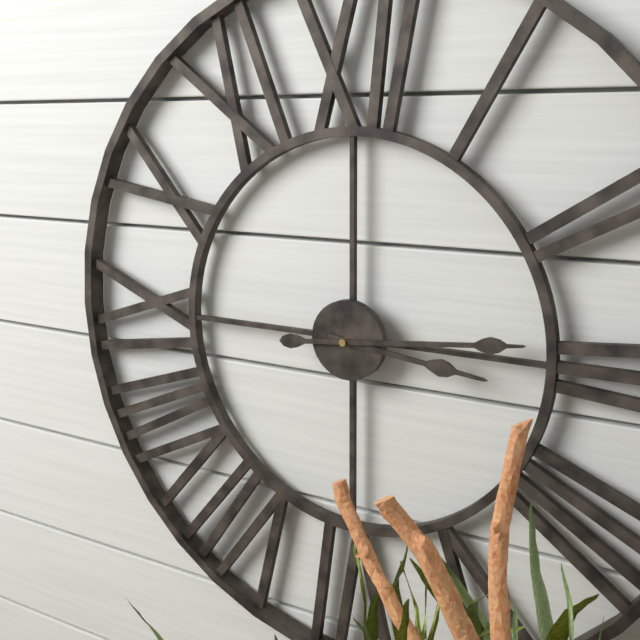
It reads 3:14
